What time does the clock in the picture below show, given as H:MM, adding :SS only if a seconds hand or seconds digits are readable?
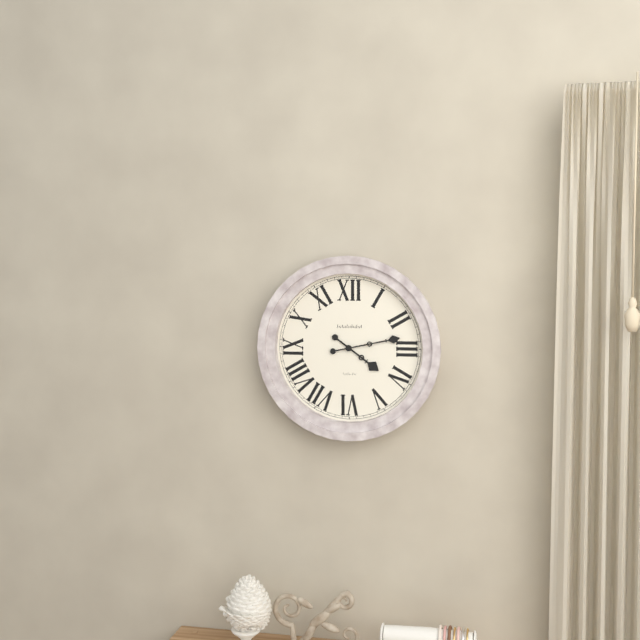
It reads 4:13
